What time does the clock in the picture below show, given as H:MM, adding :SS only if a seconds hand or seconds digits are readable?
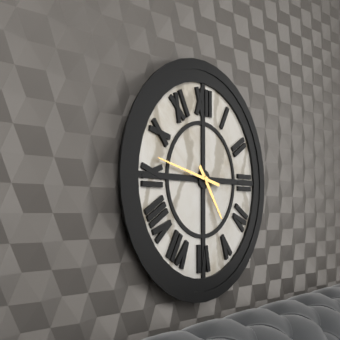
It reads 4:47
